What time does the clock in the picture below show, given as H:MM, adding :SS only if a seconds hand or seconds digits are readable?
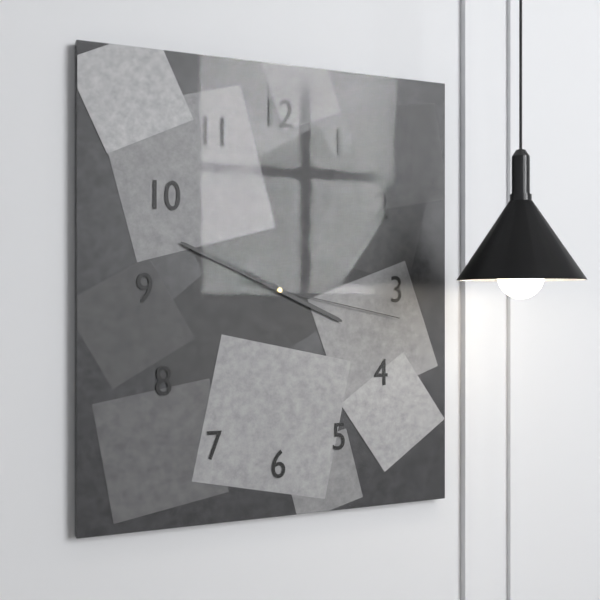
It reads 3:49:17
